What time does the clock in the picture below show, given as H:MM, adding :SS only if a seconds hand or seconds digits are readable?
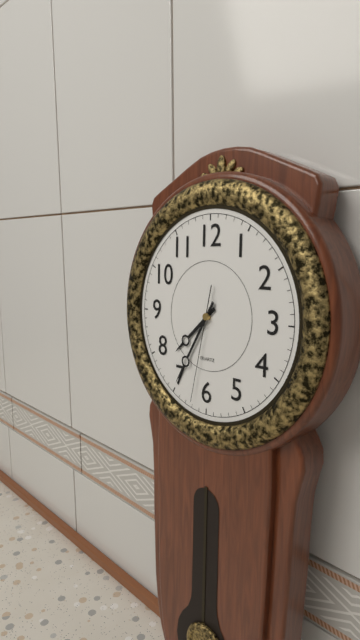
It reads 7:35:32
